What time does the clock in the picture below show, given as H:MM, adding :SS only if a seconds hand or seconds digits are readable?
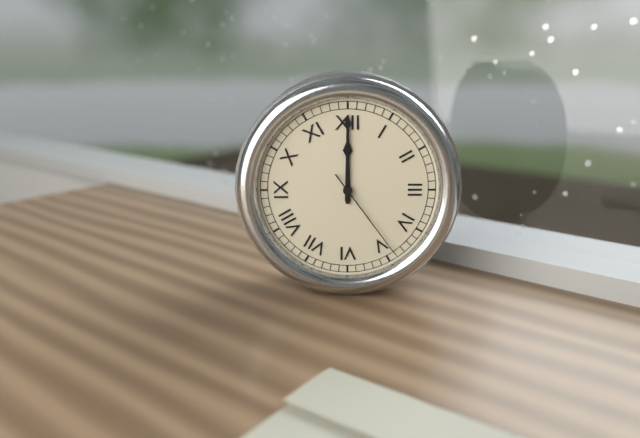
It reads 12:00:24
